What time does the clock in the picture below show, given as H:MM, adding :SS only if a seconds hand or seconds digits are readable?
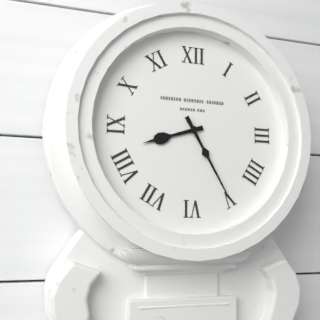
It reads 8:25
